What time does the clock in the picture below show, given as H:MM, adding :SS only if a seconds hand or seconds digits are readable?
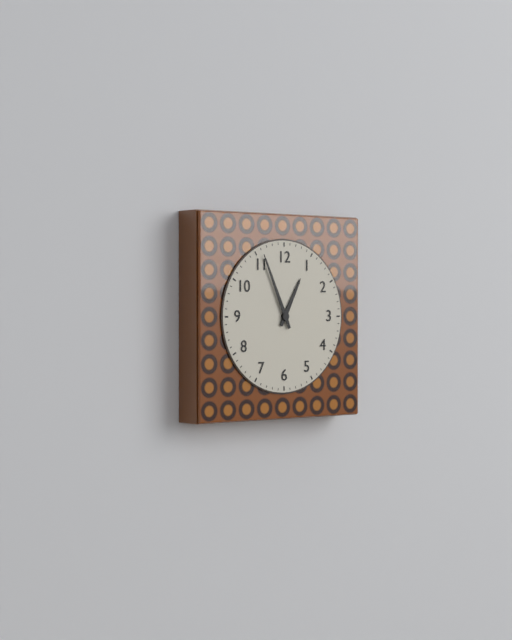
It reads 12:56
